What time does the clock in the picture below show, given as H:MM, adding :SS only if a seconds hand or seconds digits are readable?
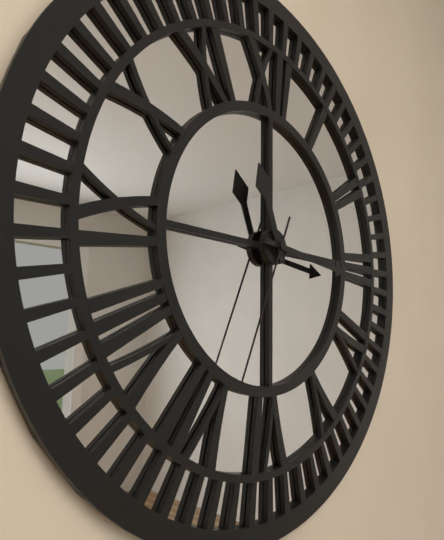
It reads 11:16:34
